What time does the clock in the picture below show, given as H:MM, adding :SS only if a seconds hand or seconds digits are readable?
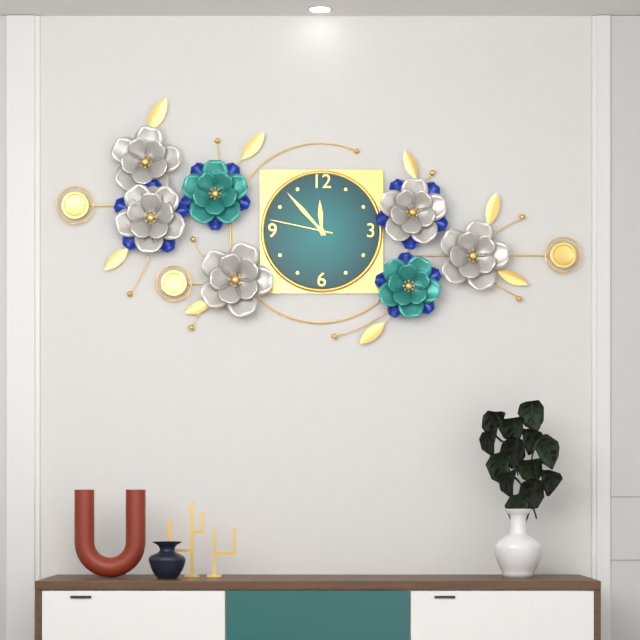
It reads 11:53:47
